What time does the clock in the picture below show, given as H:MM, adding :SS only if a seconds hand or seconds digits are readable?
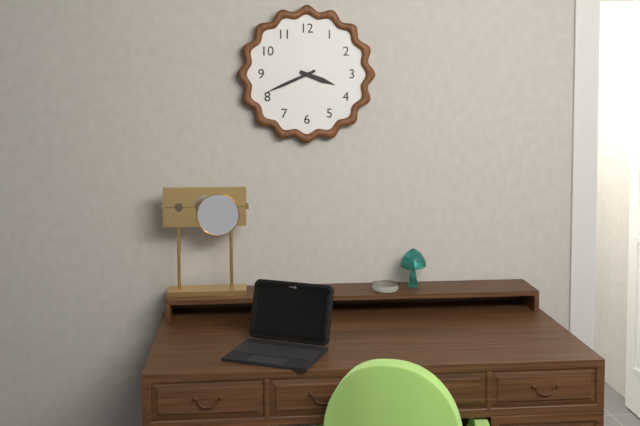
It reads 3:41
